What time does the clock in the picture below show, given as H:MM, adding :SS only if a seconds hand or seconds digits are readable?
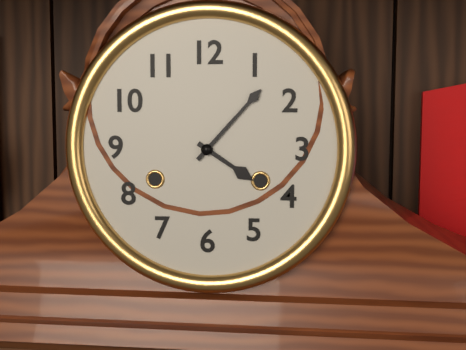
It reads 4:07
